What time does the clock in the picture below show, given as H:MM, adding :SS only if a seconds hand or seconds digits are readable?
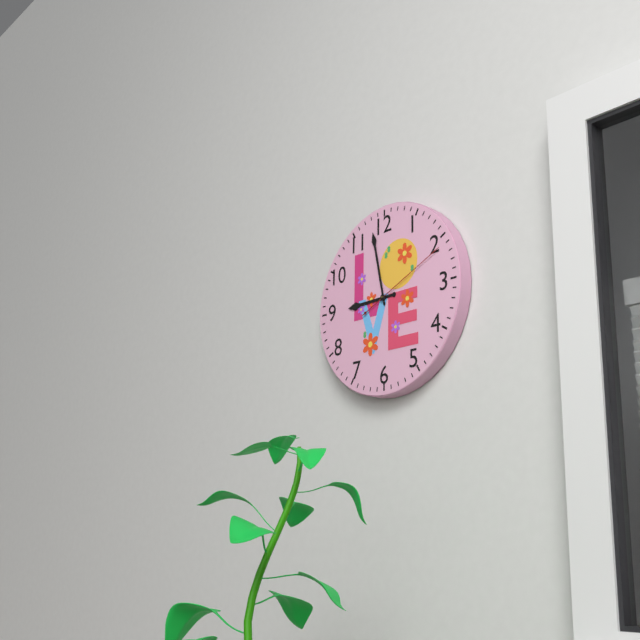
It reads 8:58:11
